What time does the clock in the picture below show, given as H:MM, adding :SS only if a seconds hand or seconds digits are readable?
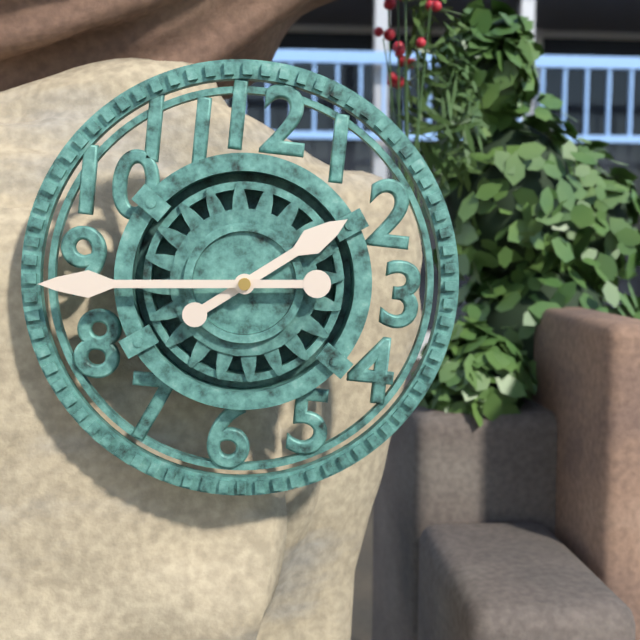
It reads 1:44
